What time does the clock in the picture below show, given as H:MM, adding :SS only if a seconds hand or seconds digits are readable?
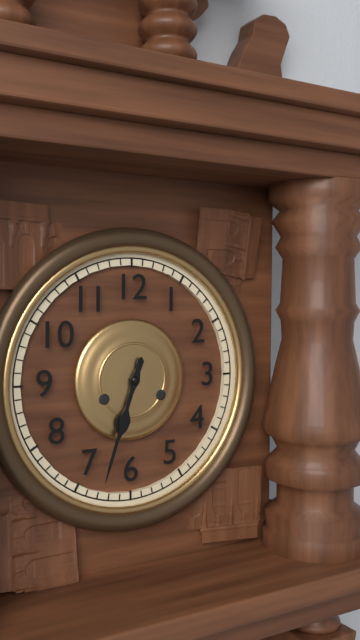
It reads 6:33
